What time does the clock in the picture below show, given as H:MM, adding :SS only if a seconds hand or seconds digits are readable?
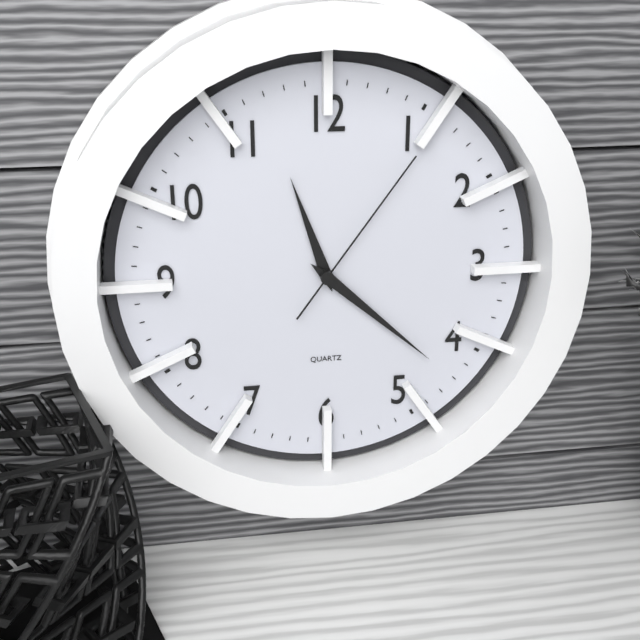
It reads 11:22:06
